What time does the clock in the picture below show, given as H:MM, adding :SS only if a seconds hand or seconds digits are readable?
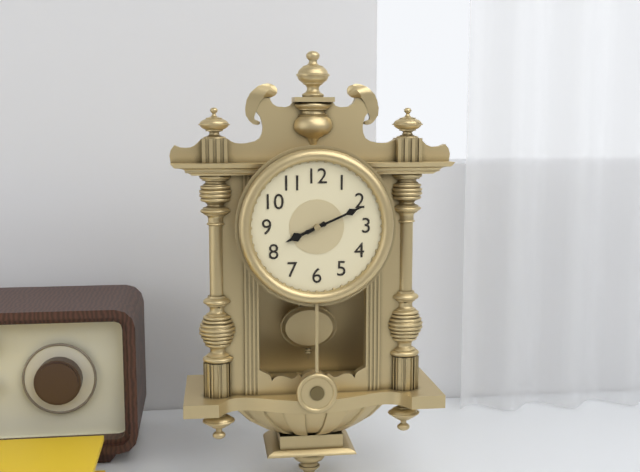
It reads 8:11
